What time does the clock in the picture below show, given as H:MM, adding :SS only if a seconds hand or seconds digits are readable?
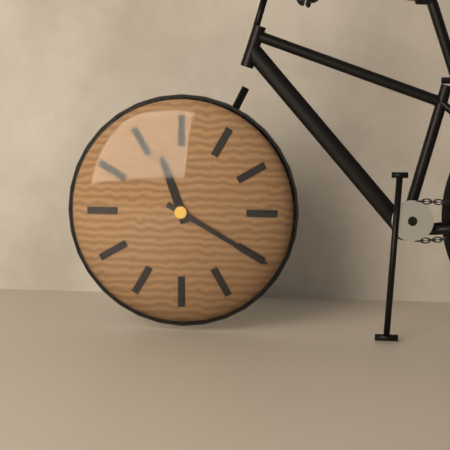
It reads 11:20
